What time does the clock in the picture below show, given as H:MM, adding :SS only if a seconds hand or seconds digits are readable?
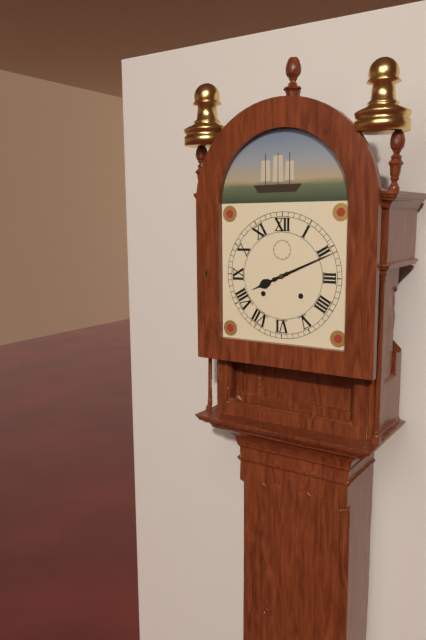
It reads 8:11
